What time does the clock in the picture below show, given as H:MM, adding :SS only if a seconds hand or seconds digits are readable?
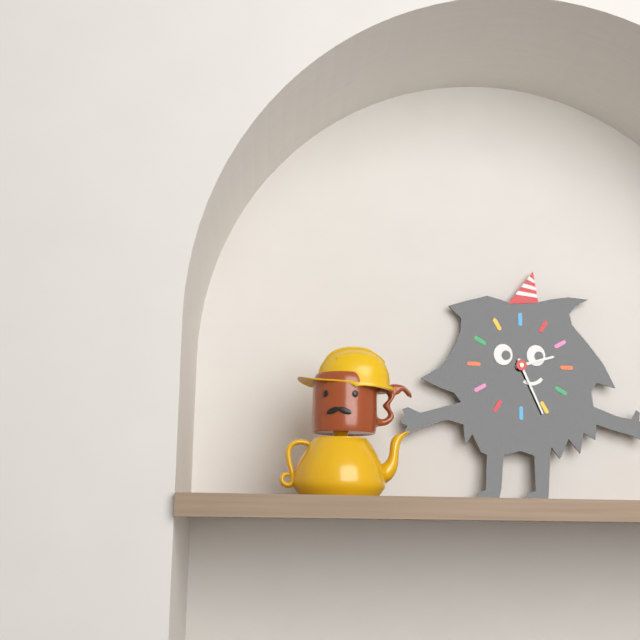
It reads 2:26
